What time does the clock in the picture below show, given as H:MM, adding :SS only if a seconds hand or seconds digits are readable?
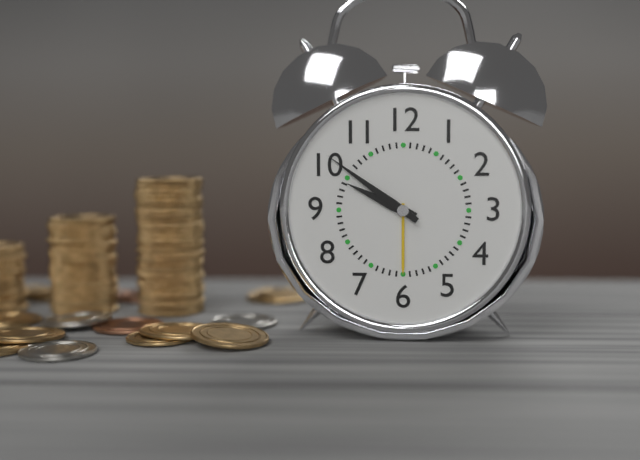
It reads 9:51
